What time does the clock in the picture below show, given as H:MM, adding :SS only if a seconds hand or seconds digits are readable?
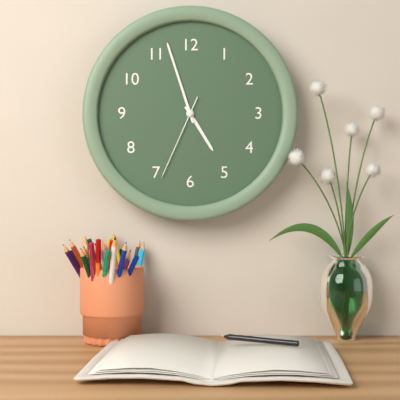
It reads 4:57:34
